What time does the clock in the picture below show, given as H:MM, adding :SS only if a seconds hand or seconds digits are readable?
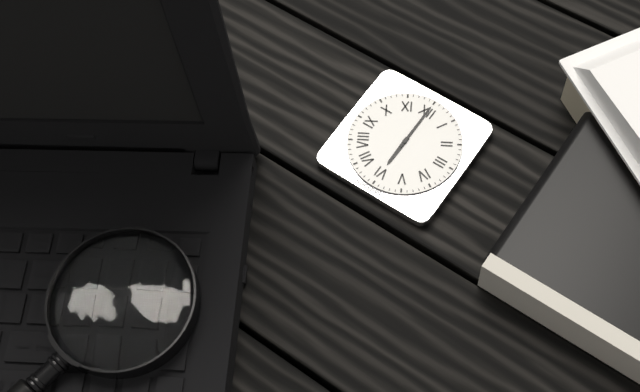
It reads 6:00
